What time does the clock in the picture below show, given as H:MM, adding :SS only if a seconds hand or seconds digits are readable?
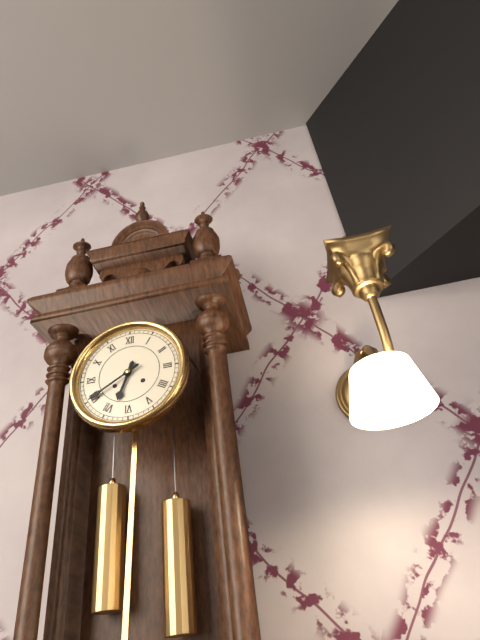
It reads 6:40
